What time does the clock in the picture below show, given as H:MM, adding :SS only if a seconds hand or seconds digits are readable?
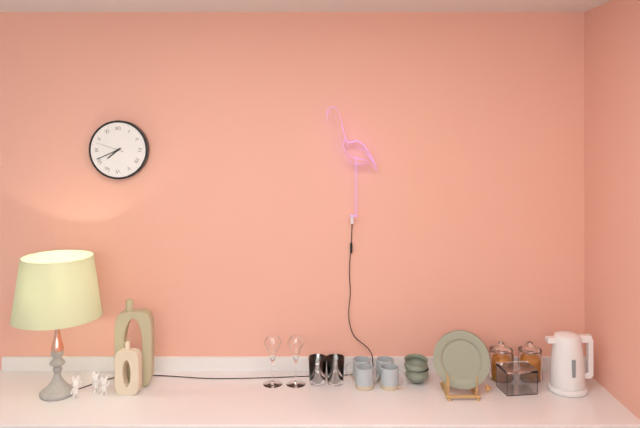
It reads 7:41
